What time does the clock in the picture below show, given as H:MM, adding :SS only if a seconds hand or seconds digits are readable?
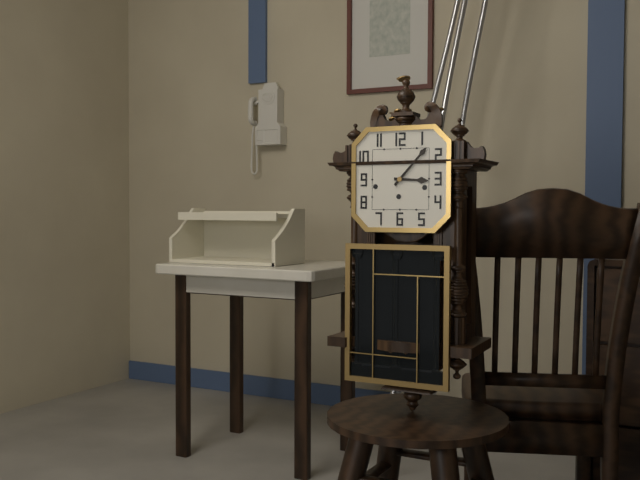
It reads 3:07
